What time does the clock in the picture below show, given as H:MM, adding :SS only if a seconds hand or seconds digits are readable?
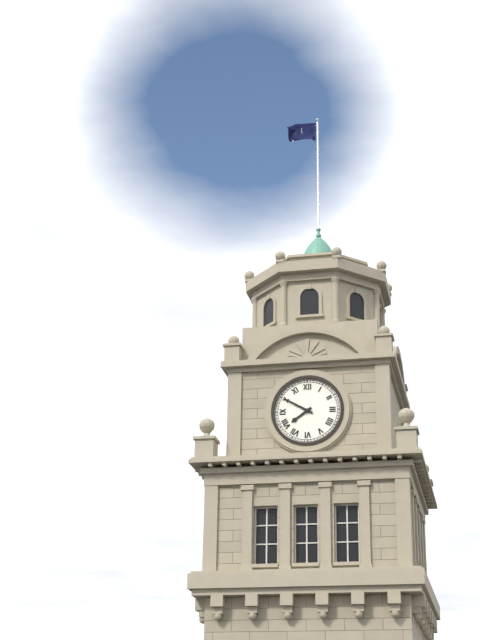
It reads 7:50
